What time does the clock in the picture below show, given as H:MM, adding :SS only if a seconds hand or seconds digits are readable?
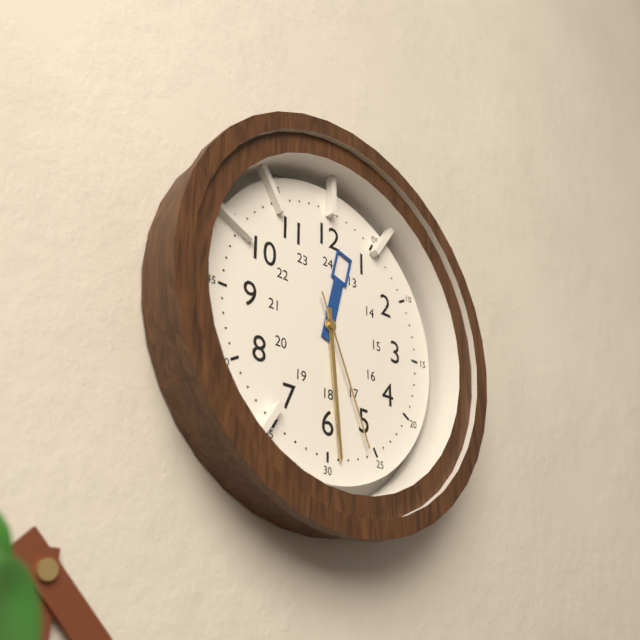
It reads 12:29:26
